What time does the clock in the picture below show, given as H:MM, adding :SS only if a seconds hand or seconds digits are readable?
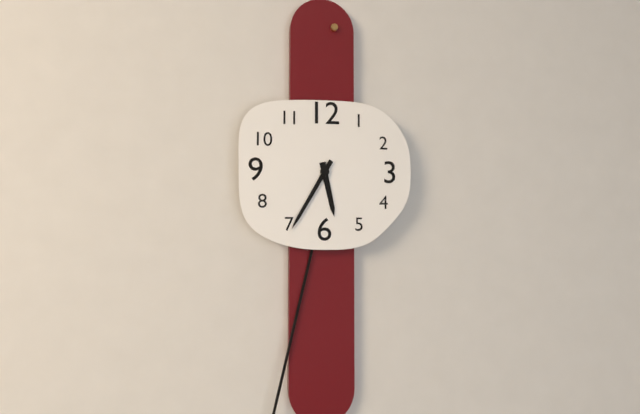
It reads 5:35
